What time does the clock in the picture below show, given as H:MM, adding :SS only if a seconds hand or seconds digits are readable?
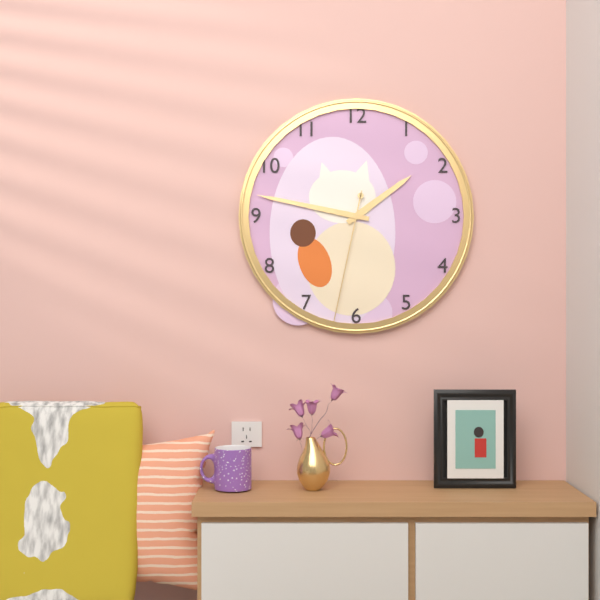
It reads 1:47:32
